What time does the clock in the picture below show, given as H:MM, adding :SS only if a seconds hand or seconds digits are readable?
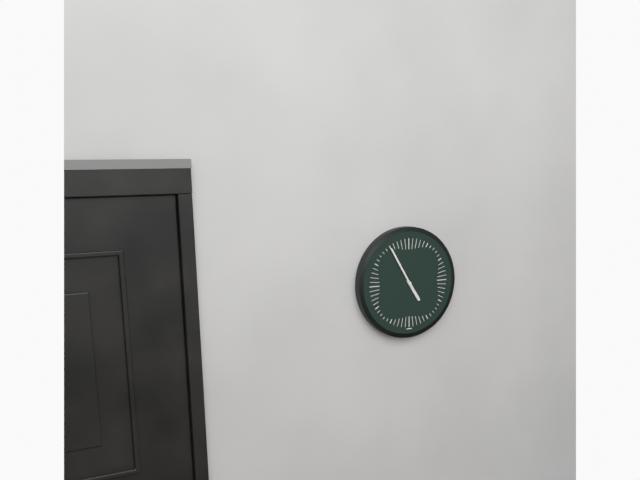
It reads 4:55
